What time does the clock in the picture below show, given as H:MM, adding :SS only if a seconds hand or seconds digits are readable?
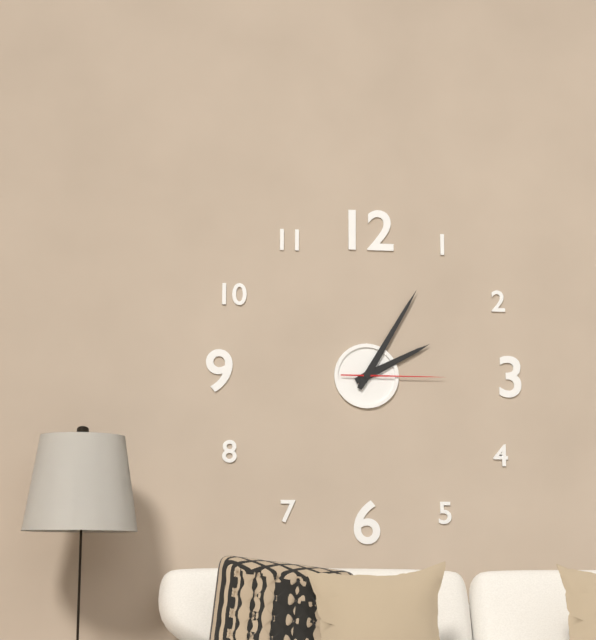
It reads 2:05:15
